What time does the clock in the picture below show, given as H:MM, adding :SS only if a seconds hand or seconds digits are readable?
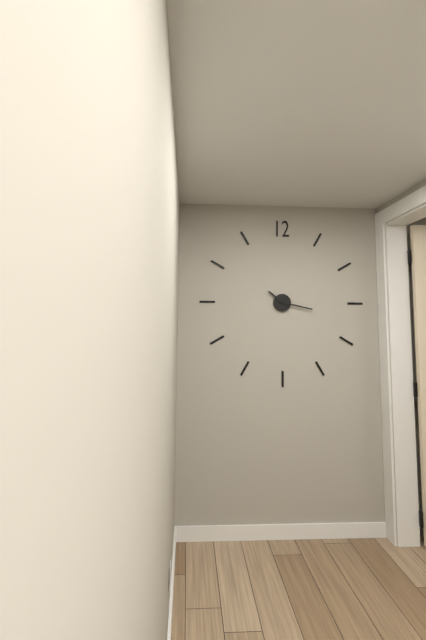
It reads 10:17
